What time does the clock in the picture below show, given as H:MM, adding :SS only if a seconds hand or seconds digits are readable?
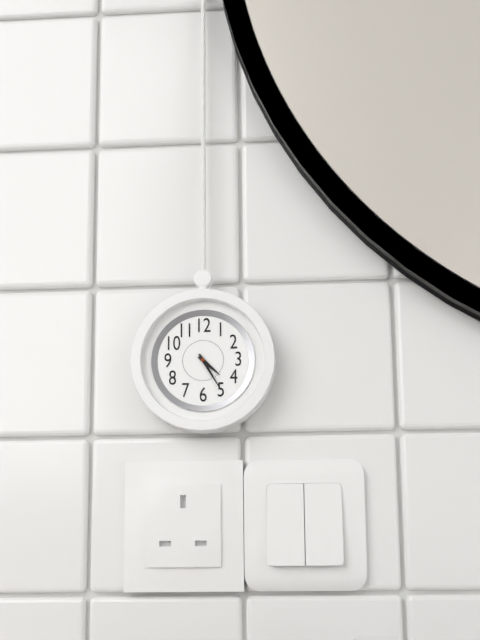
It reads 4:25
